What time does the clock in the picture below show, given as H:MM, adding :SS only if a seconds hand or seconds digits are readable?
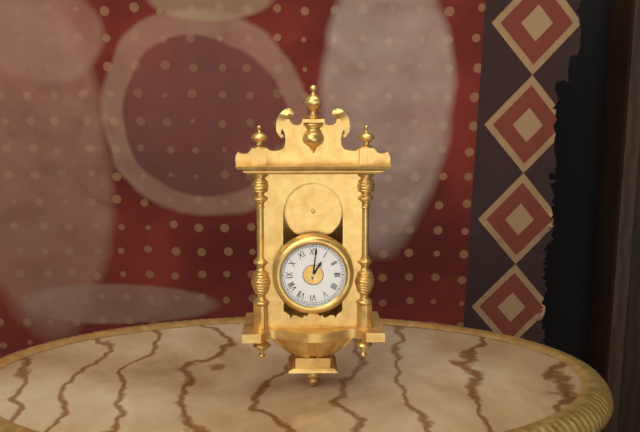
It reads 1:01
